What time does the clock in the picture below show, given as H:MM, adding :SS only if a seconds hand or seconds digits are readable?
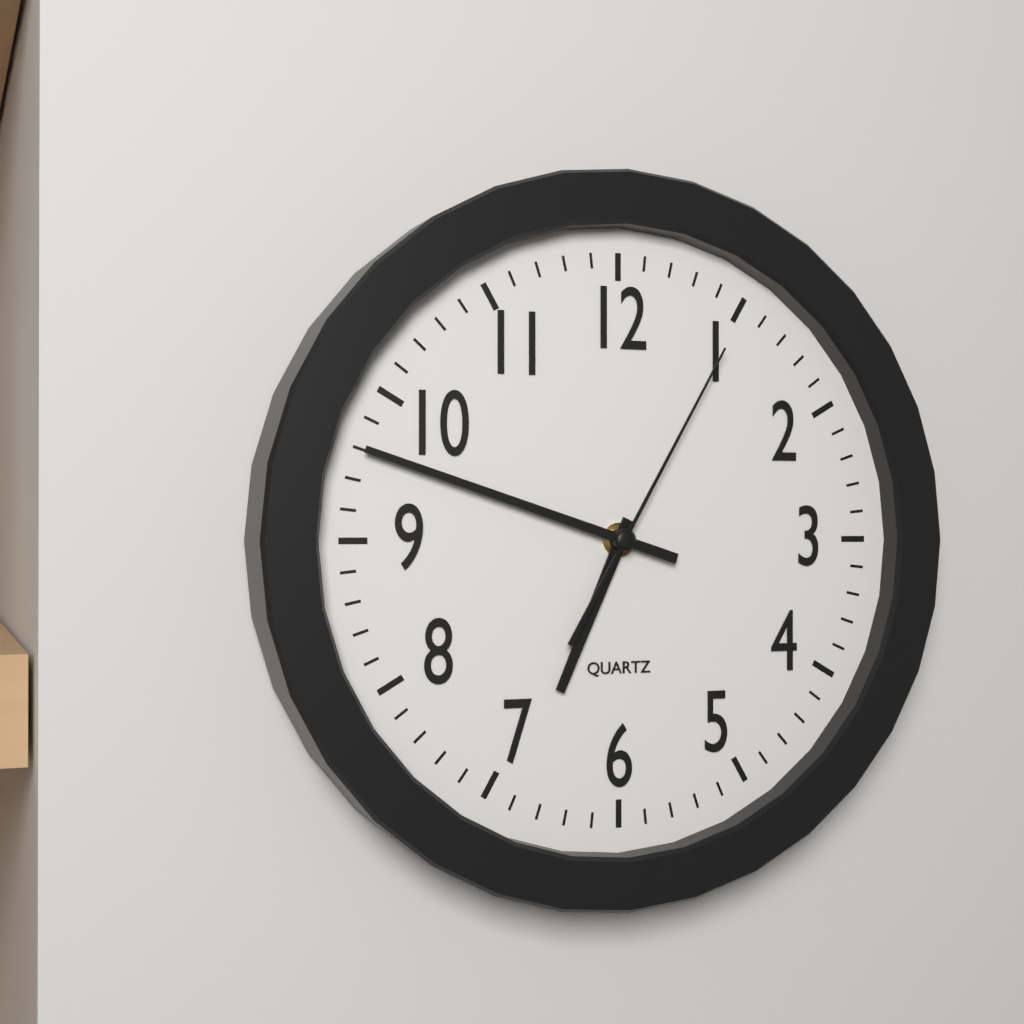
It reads 6:48:05
